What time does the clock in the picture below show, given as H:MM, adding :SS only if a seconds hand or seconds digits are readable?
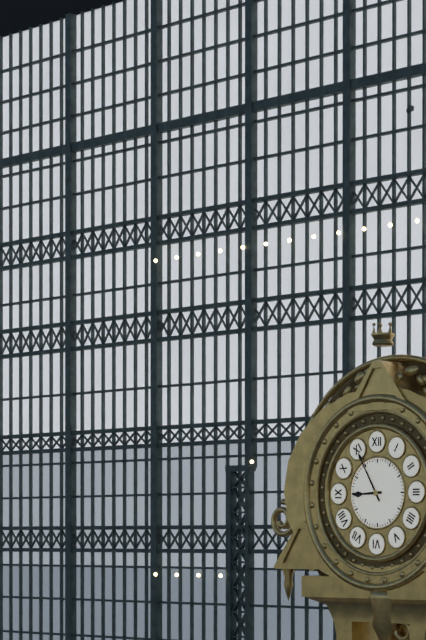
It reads 8:55
